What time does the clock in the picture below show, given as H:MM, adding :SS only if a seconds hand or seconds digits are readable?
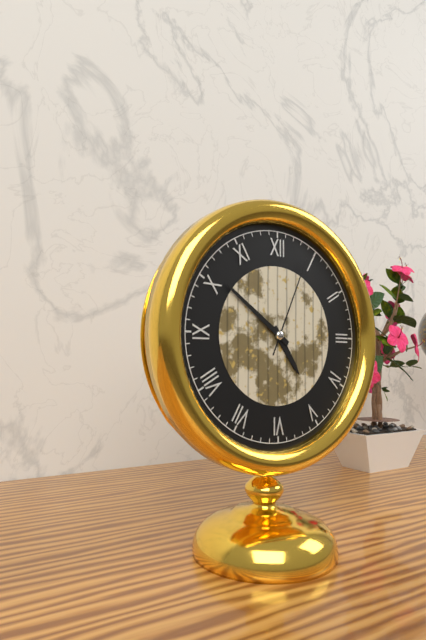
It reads 4:51:04
